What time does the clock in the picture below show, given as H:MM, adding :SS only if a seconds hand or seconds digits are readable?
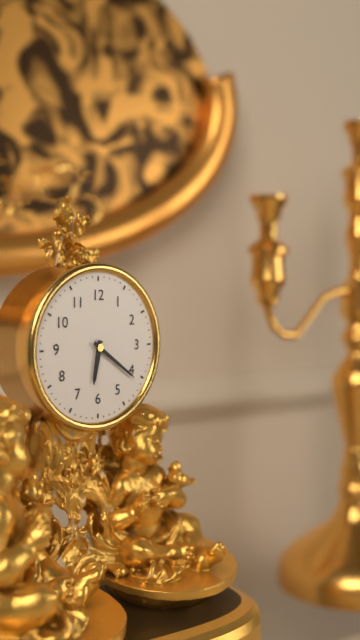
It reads 6:21
